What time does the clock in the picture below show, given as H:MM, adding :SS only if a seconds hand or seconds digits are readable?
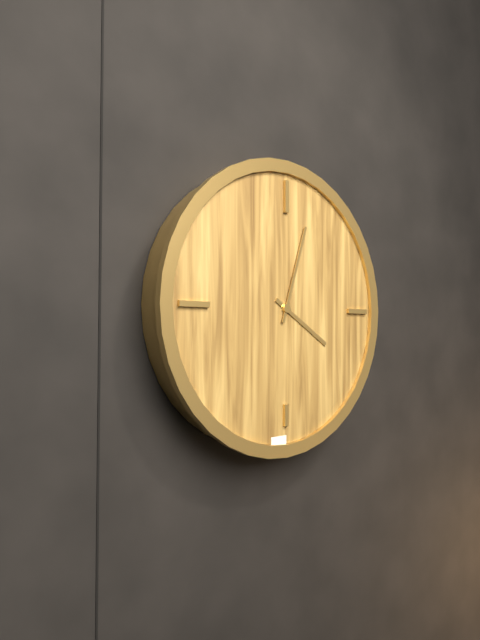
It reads 4:03
